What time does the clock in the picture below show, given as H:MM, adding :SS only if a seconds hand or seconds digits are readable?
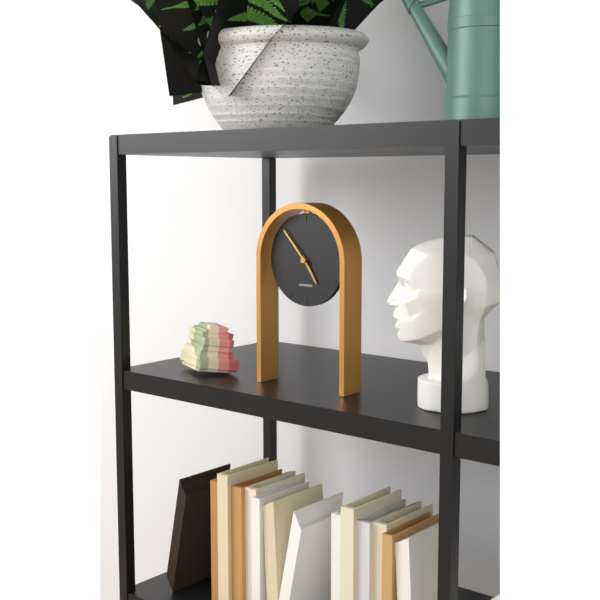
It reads 4:53
